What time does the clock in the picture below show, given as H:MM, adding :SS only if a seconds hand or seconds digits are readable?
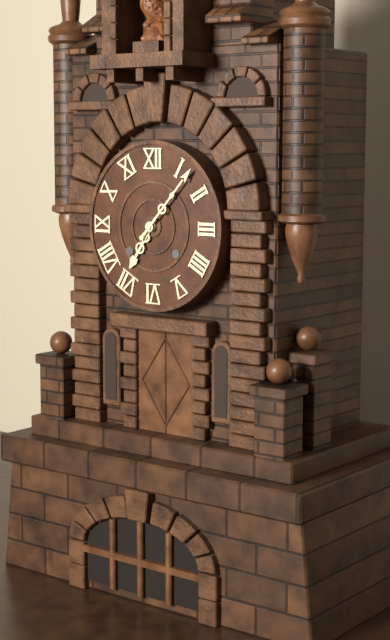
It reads 7:07
